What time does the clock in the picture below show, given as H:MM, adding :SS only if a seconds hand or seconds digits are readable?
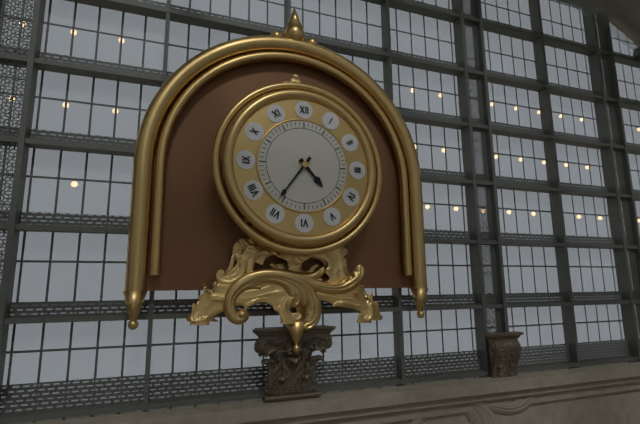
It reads 4:36
